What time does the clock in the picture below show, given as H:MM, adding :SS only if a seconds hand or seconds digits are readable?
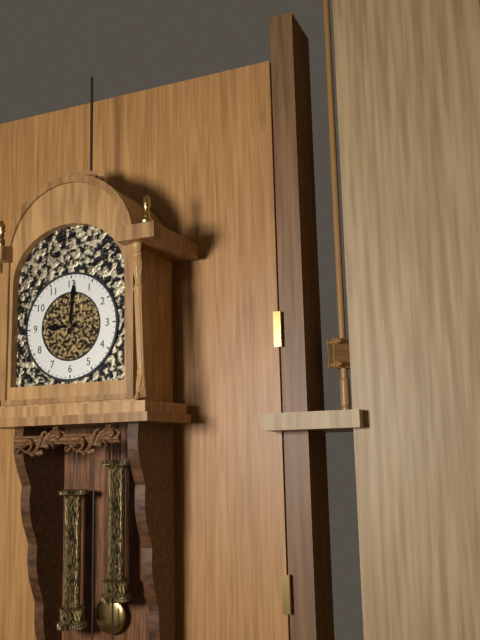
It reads 9:01
